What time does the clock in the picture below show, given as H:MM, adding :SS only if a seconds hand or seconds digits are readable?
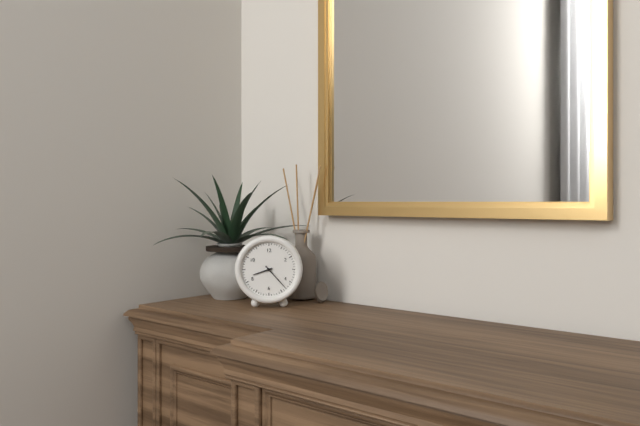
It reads 8:23
